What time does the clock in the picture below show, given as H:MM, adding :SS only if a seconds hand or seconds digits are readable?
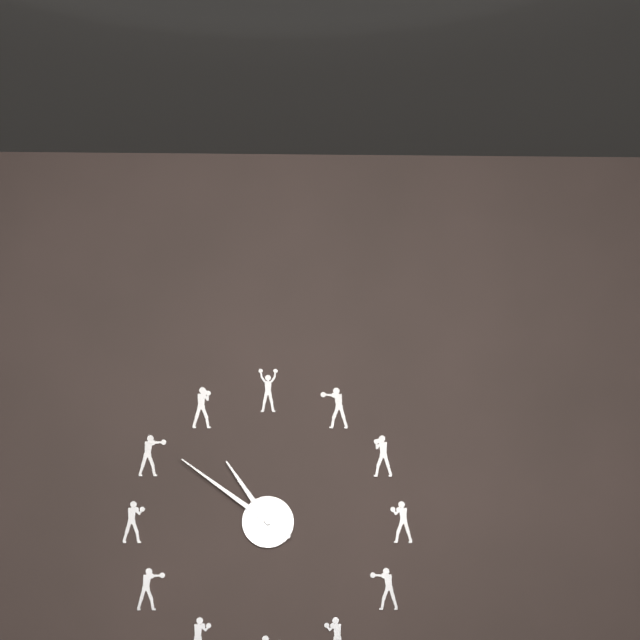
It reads 10:51
